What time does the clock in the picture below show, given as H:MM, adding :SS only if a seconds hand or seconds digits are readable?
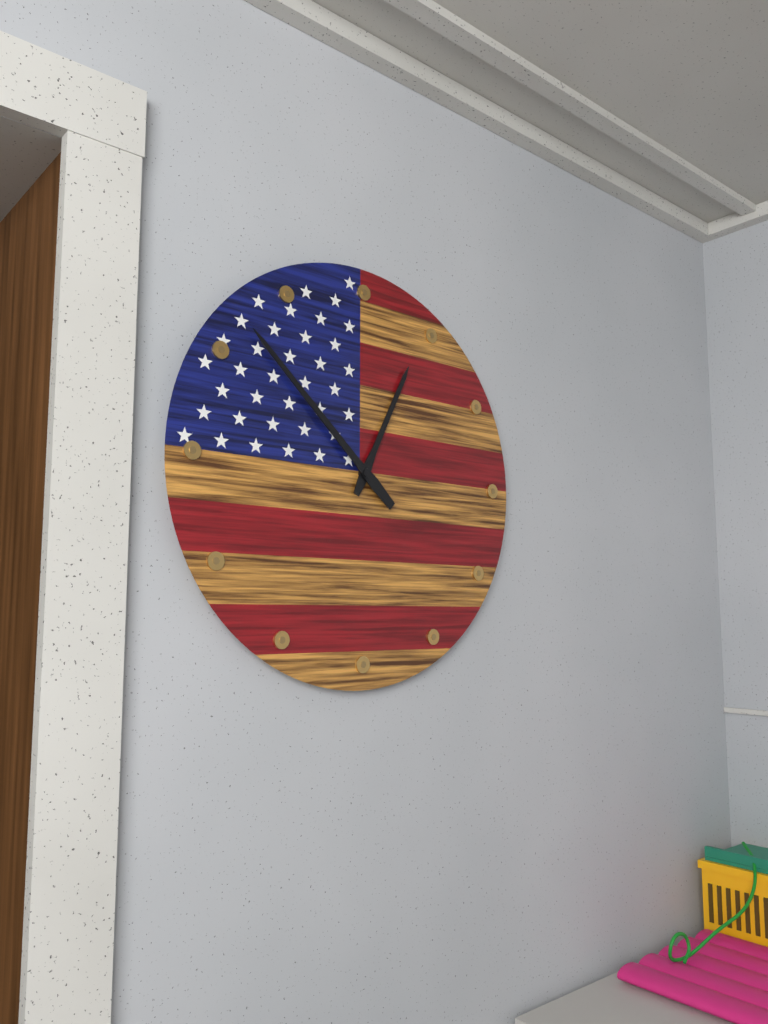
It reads 12:52
